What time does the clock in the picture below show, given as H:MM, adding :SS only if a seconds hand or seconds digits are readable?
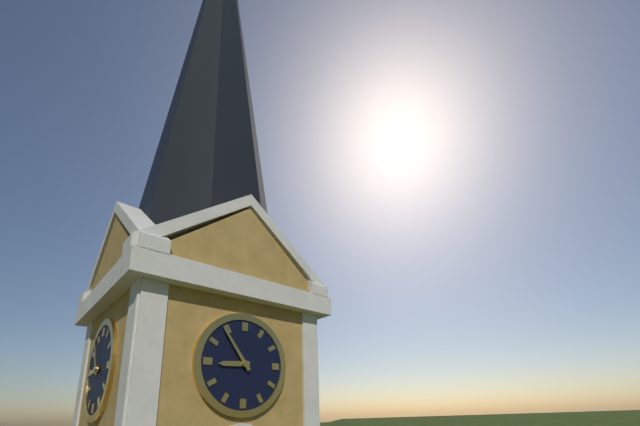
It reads 8:54
